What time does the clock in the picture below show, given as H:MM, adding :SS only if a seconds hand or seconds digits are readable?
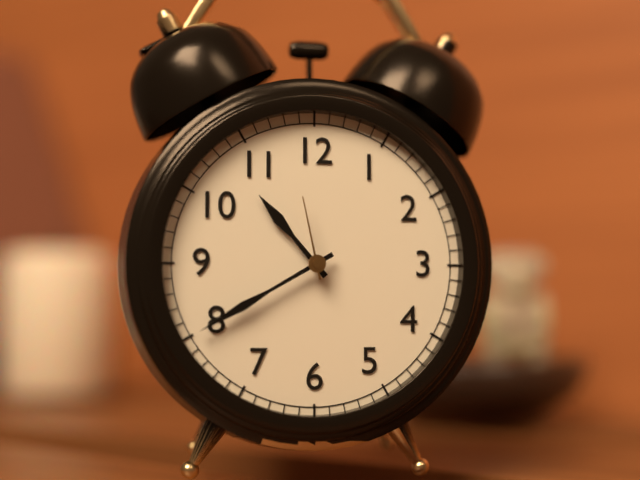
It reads 10:40:58
